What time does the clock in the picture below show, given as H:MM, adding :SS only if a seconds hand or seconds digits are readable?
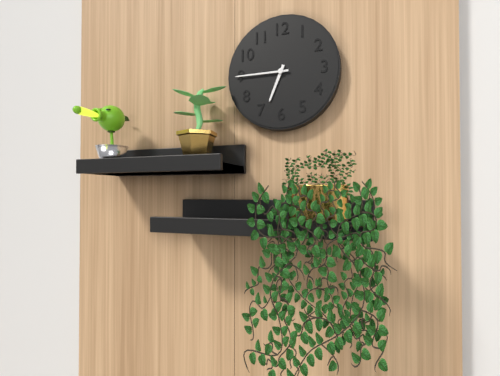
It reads 6:45
